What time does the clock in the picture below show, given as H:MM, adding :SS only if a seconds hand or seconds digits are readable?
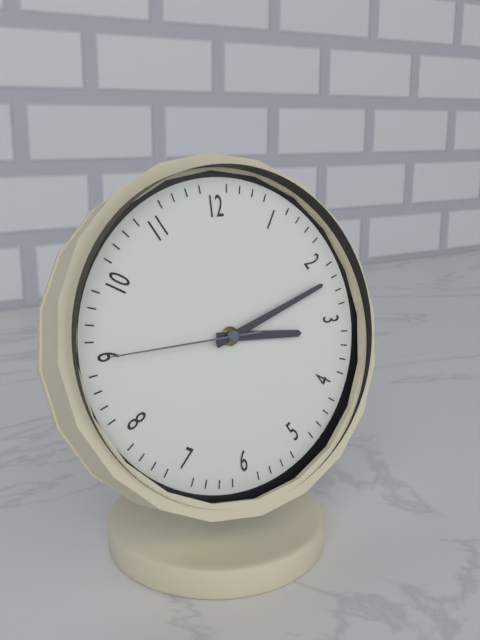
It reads 3:12:45
